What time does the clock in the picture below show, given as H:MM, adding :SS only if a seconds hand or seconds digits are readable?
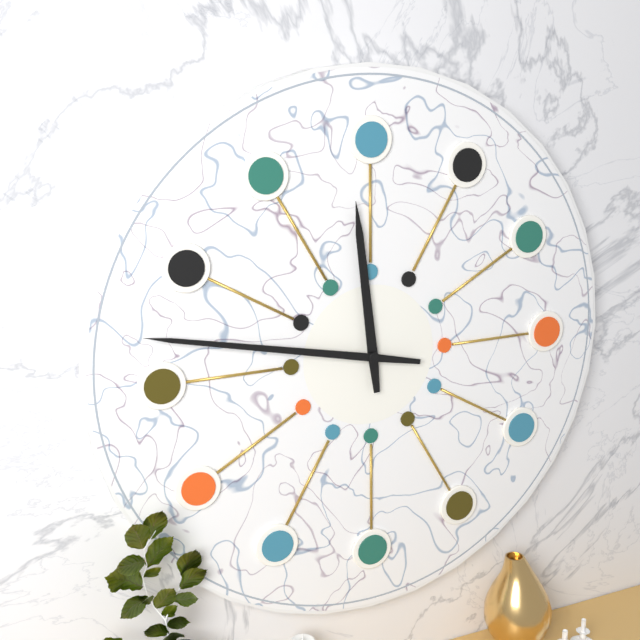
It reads 11:47
